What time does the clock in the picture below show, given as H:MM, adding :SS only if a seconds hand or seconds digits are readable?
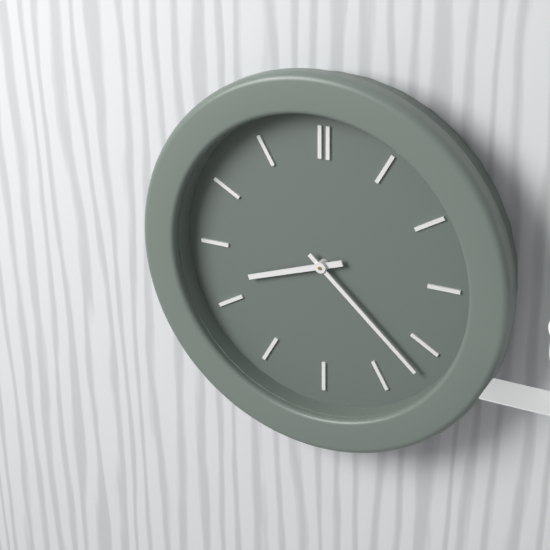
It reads 8:22
